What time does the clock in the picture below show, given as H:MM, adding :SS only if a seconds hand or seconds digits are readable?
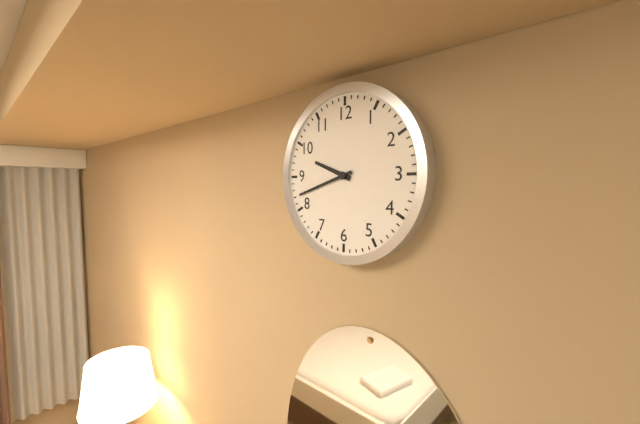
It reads 9:42
